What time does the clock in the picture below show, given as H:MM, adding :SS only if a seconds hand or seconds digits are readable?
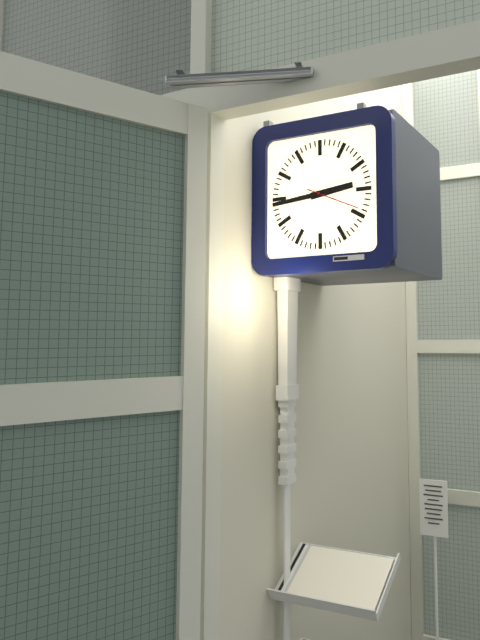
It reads 2:44:19
